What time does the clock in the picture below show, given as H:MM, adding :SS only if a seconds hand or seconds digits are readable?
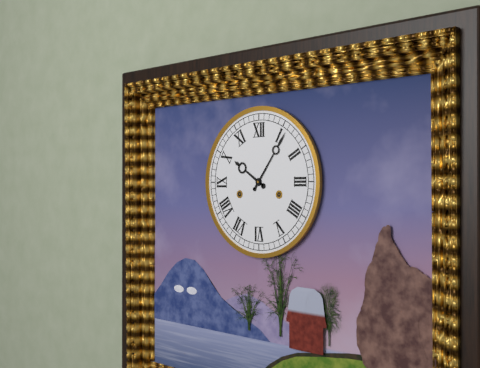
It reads 10:06
